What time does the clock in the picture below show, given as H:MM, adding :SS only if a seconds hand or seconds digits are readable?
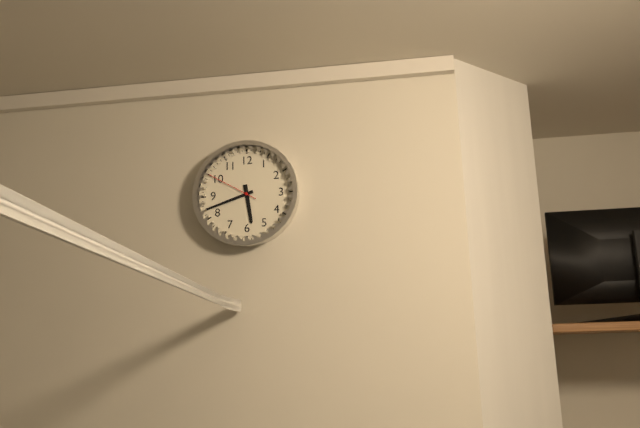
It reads 5:42:50
